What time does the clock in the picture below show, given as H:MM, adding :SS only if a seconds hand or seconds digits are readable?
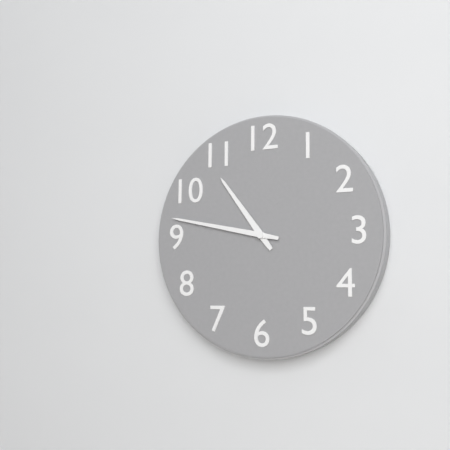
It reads 10:47
